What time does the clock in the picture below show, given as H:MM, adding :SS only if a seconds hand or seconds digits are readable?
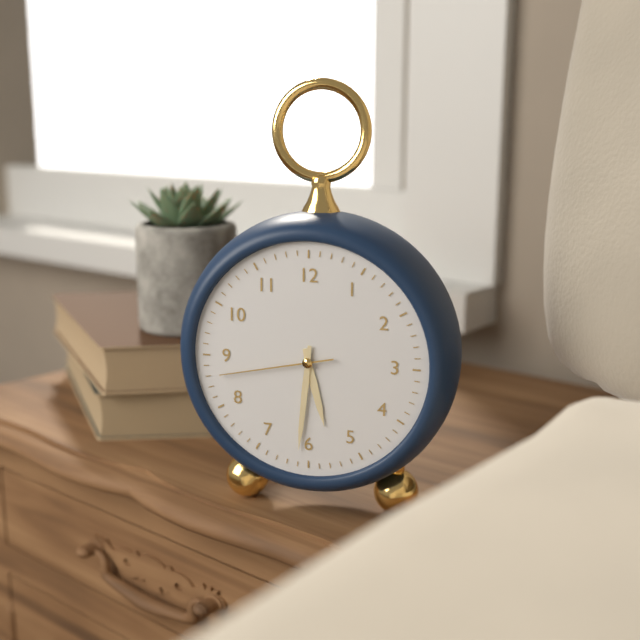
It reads 5:31:43
